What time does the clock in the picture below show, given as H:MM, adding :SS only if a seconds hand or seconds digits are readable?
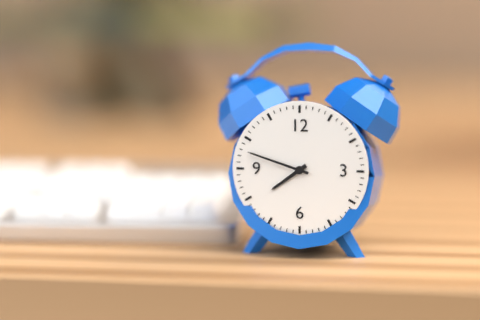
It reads 7:48
